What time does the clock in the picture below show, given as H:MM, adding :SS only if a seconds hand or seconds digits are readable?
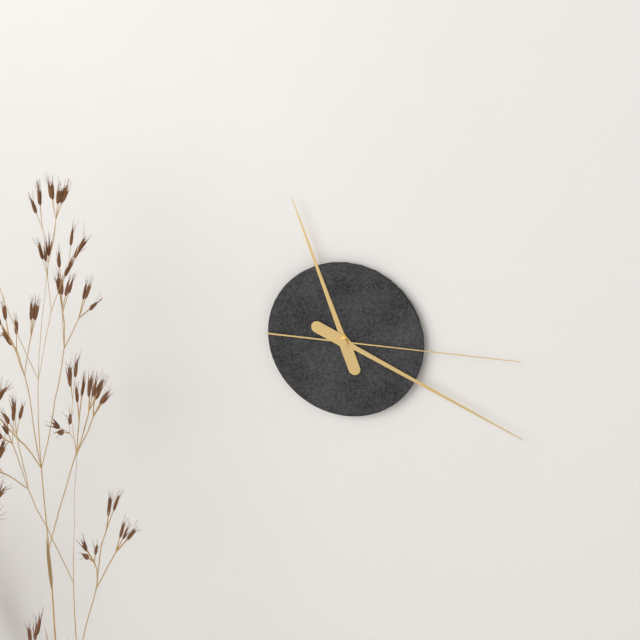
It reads 11:19:15
